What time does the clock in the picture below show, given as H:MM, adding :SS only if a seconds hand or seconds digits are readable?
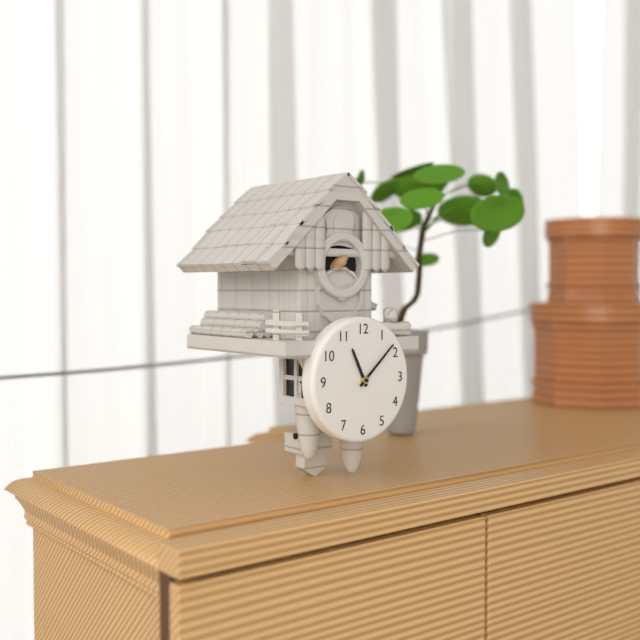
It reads 11:08
